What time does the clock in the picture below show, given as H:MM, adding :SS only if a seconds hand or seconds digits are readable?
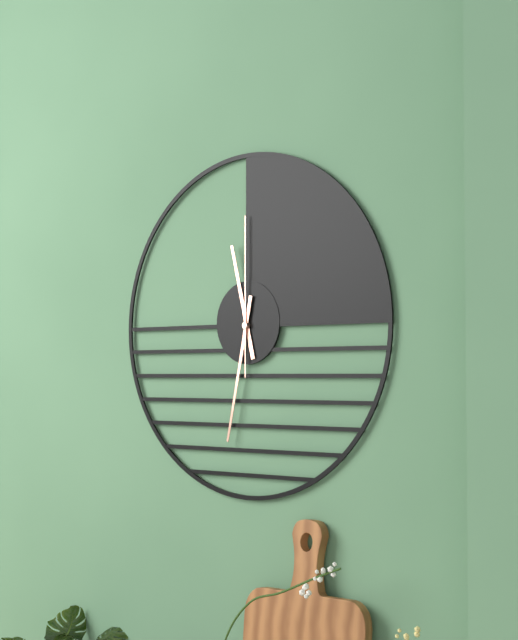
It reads 11:32:00
